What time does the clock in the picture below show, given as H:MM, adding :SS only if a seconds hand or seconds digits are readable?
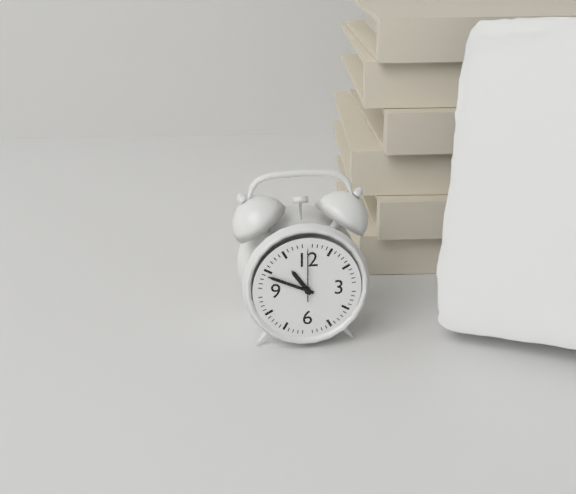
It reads 10:49:00
